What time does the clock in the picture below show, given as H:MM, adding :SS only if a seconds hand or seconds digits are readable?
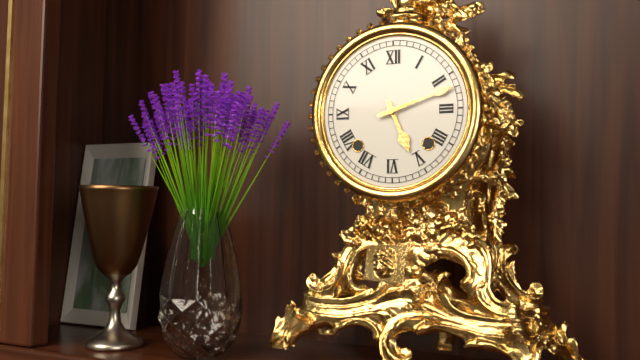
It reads 5:12
